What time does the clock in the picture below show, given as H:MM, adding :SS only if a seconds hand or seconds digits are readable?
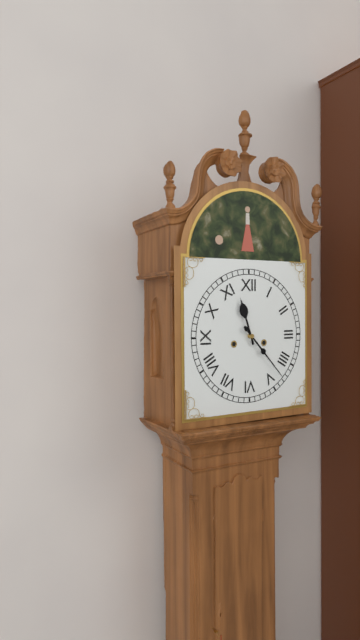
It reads 11:23
